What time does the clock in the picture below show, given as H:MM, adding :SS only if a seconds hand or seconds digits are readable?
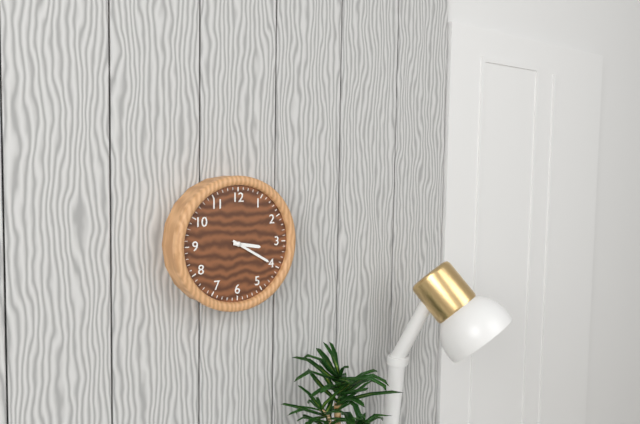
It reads 3:20
